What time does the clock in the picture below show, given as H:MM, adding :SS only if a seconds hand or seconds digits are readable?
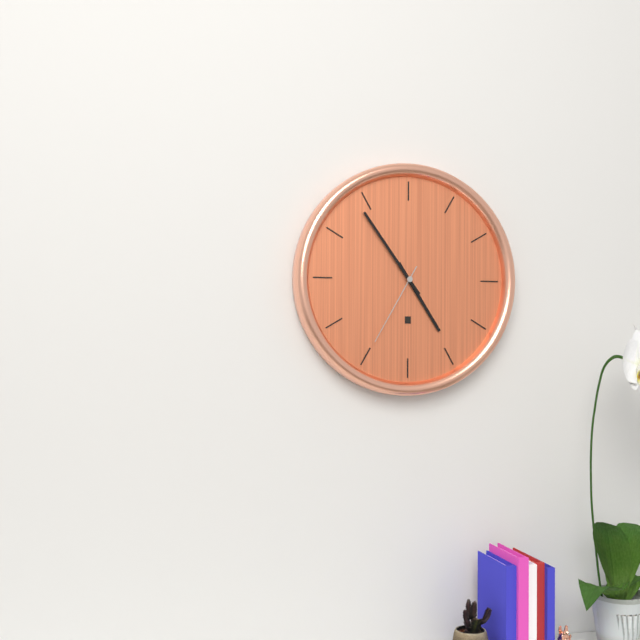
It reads 4:54:35
